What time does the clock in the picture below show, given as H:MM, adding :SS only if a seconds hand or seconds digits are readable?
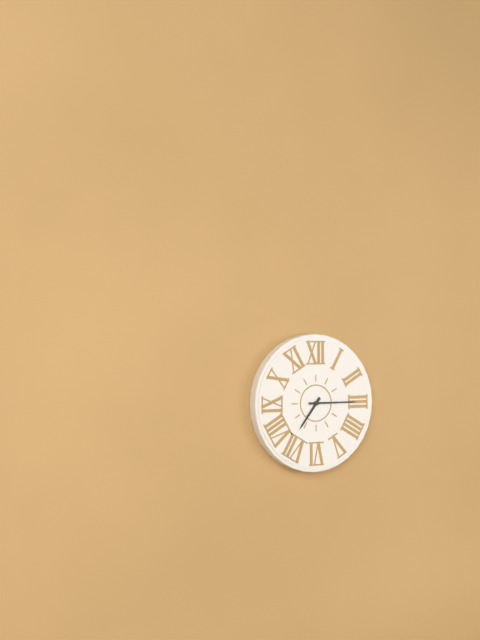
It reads 7:15
